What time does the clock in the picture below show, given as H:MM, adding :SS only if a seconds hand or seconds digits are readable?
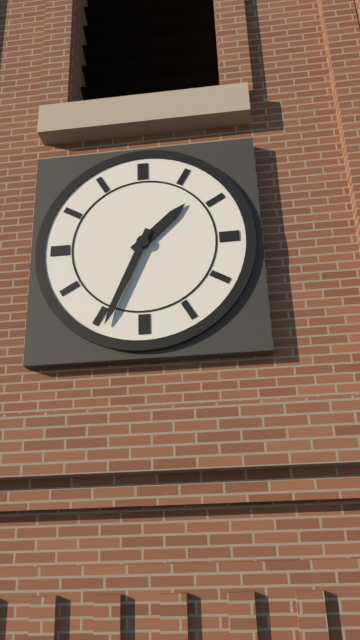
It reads 1:34
